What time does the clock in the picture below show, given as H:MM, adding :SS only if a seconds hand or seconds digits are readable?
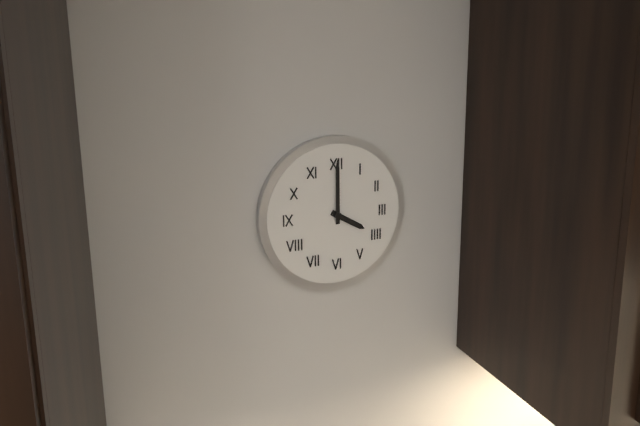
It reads 4:00
